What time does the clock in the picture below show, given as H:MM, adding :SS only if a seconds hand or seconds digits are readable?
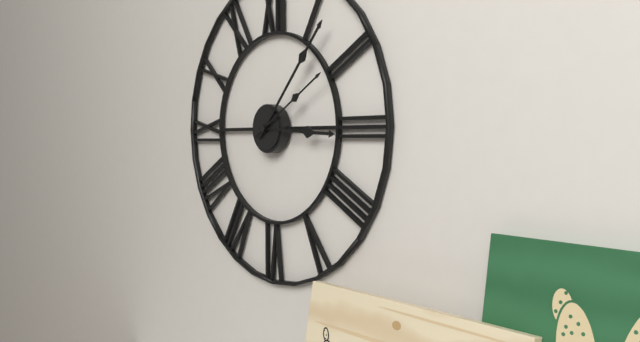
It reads 3:07:10
